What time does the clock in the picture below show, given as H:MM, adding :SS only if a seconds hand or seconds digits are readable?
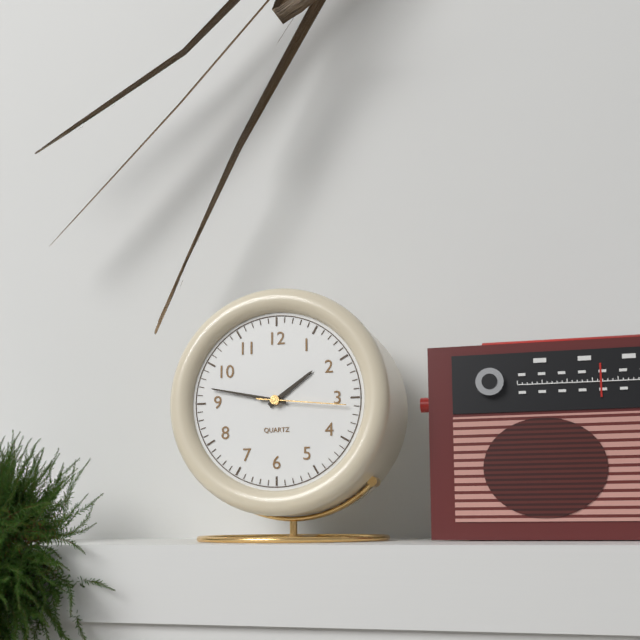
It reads 1:47:16
